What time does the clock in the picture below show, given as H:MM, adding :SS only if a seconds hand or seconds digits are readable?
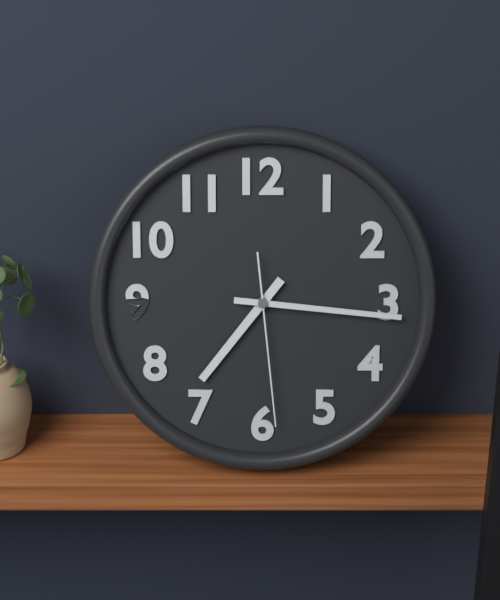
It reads 7:16:29
